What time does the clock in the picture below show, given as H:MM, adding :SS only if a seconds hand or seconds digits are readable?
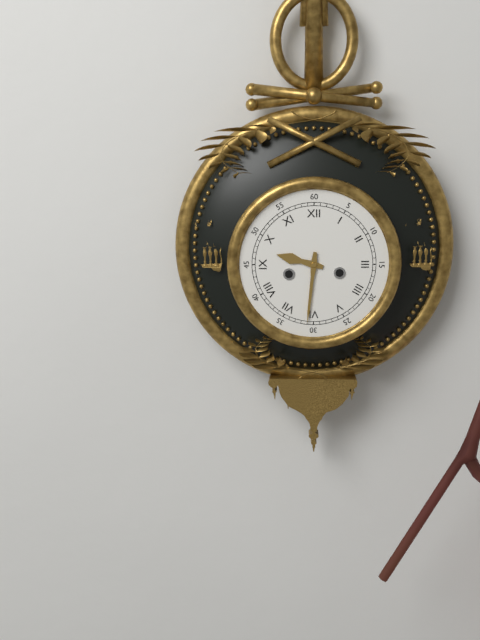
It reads 9:31
